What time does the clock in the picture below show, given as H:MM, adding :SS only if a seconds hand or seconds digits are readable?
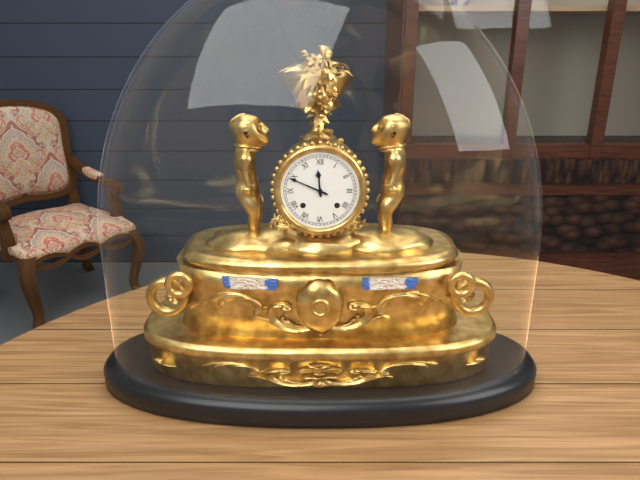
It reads 11:49
